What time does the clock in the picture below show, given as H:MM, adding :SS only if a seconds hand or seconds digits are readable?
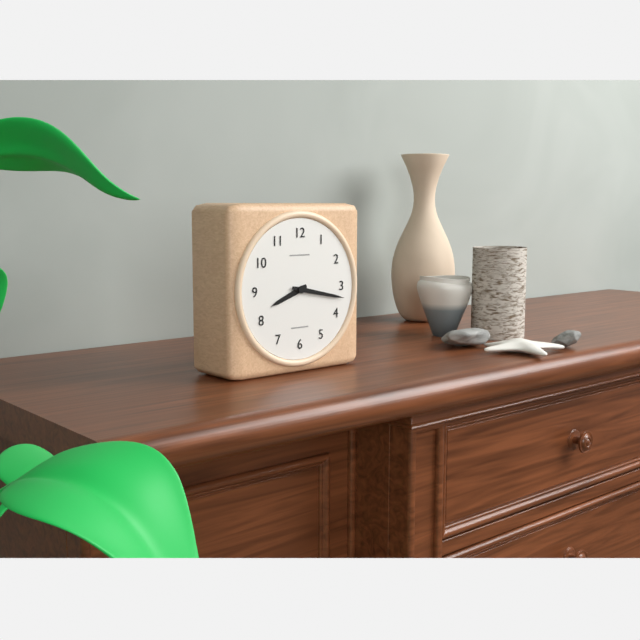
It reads 8:17
